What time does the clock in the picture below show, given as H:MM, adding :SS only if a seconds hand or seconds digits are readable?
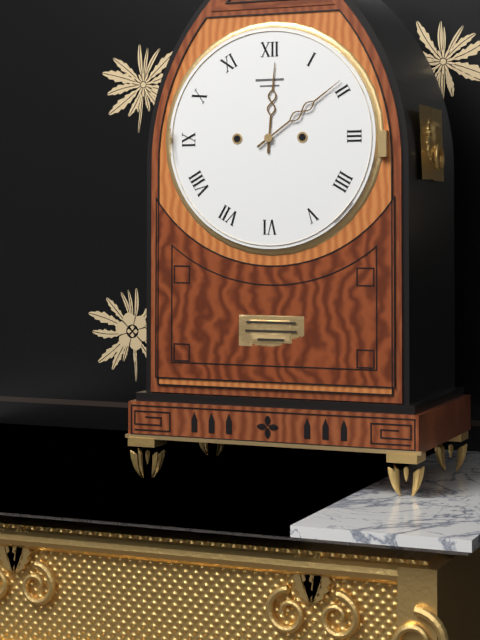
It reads 12:09
